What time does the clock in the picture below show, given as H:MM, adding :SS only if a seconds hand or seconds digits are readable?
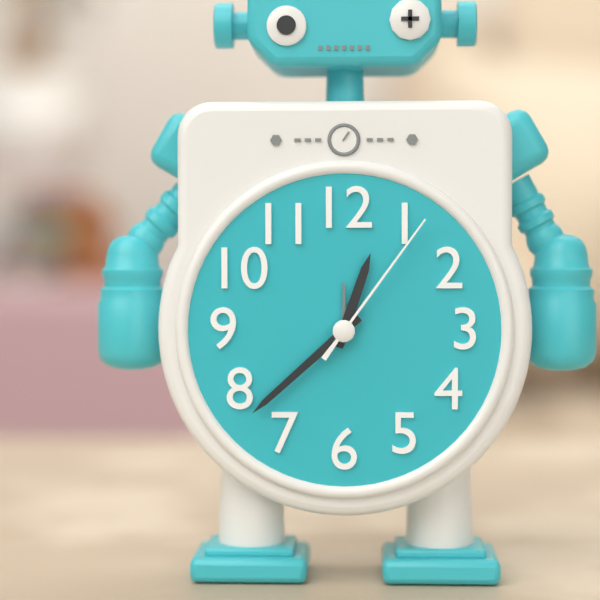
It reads 12:38:06
